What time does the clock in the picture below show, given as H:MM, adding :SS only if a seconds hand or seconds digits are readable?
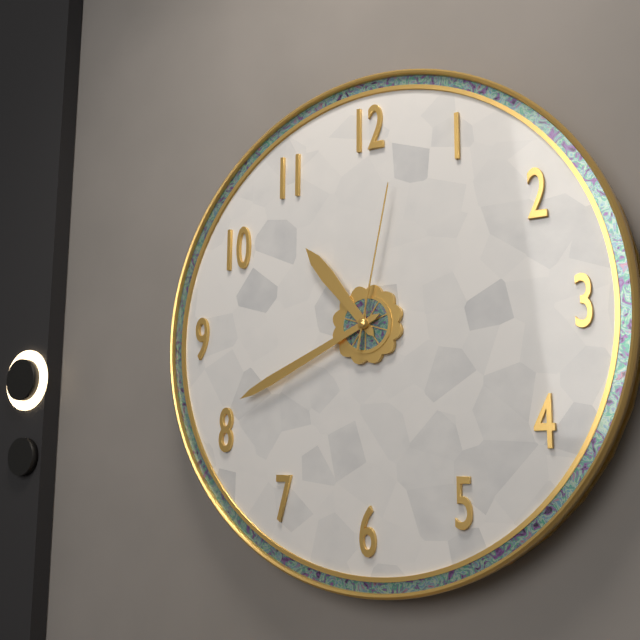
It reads 10:41:02
